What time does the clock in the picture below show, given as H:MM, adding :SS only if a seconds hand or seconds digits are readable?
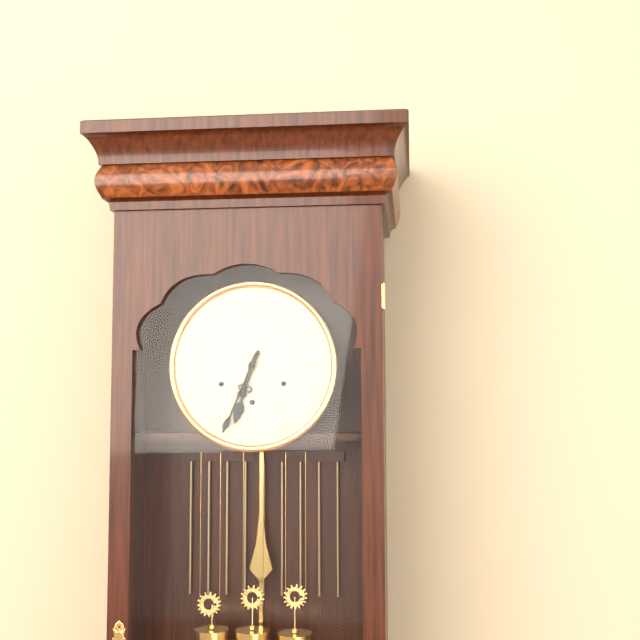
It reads 6:34
